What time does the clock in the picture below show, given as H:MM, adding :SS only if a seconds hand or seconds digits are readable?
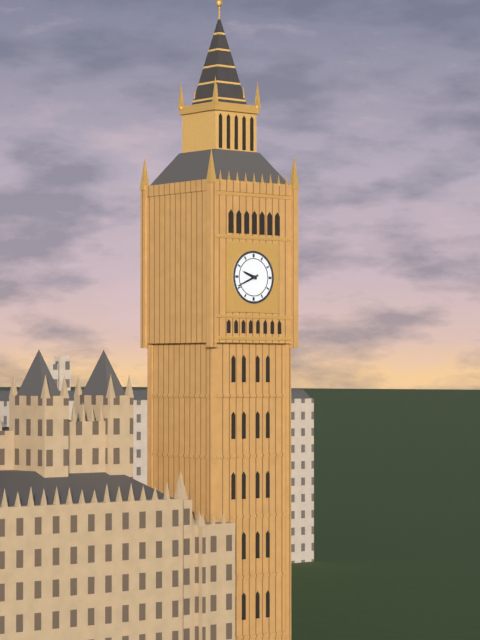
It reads 9:41
